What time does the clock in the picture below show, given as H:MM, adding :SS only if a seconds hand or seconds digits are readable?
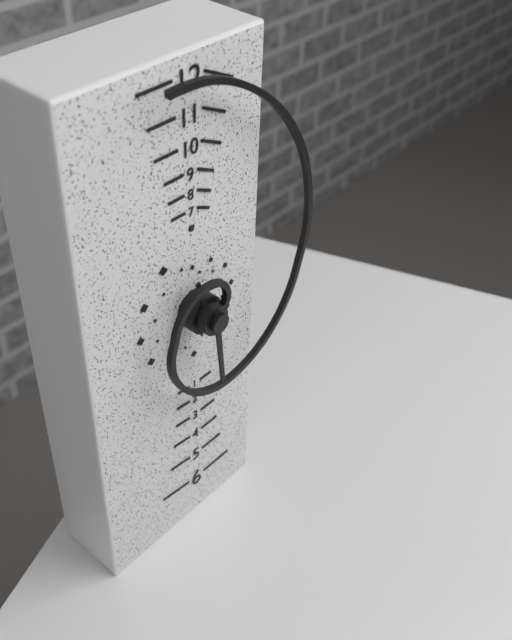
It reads 11:29
